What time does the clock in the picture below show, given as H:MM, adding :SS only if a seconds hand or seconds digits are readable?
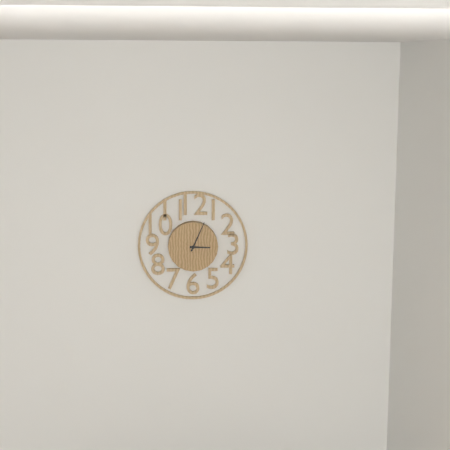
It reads 3:04
